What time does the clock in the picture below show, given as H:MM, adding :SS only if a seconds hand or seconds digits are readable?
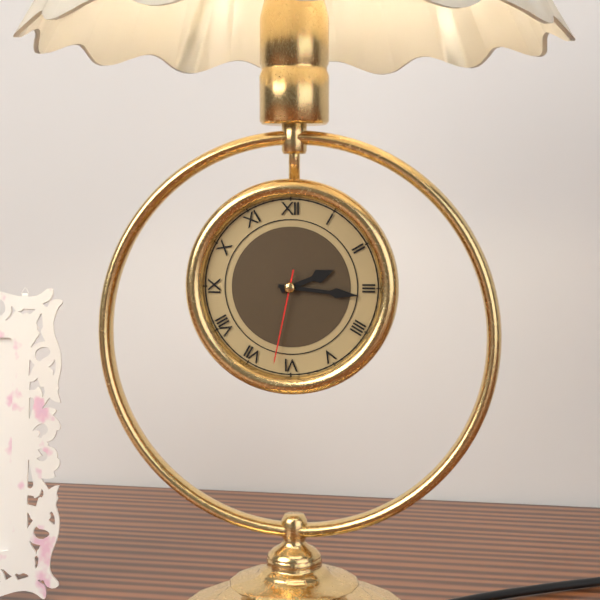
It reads 2:16:32
